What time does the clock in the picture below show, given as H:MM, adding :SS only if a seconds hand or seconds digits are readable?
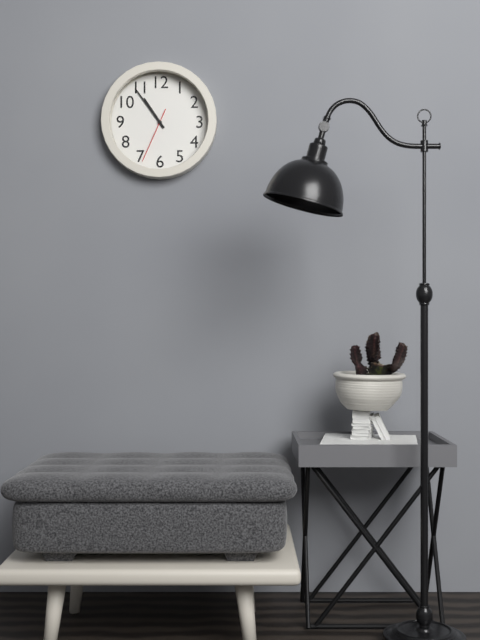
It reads 10:54:34
